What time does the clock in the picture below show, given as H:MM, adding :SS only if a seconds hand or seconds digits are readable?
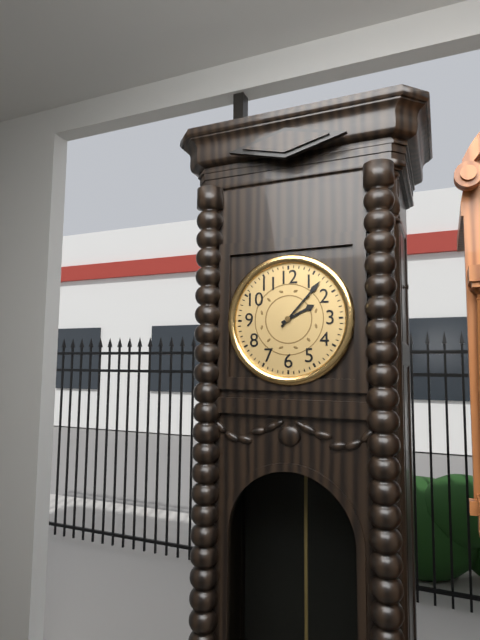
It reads 2:07
